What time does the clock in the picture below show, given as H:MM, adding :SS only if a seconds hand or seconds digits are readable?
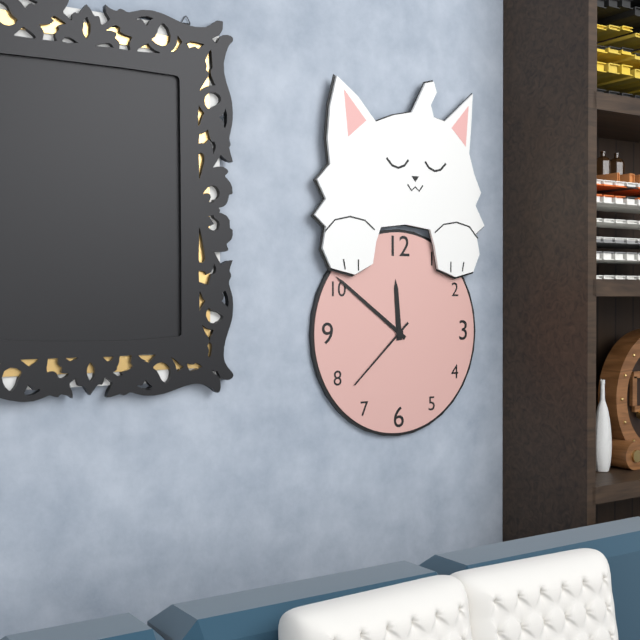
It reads 11:51:38
